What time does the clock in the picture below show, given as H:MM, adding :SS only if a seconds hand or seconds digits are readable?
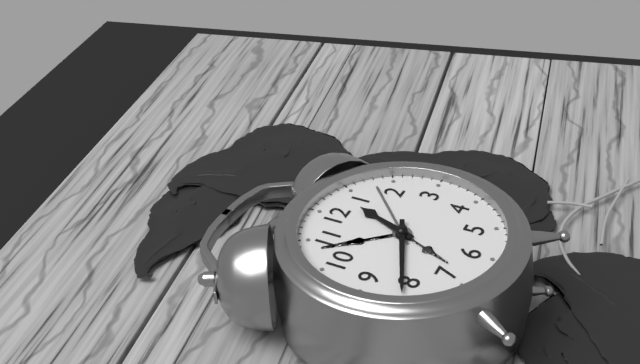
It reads 12:41
